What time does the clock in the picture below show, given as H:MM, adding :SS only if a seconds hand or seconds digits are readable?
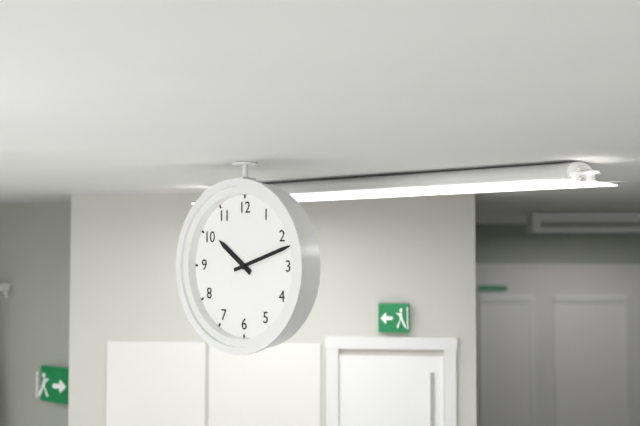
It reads 10:12
